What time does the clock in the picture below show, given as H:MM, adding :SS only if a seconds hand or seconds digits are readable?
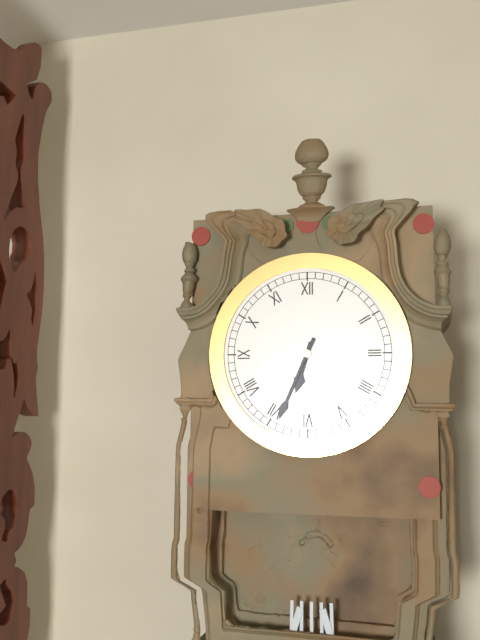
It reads 6:34
